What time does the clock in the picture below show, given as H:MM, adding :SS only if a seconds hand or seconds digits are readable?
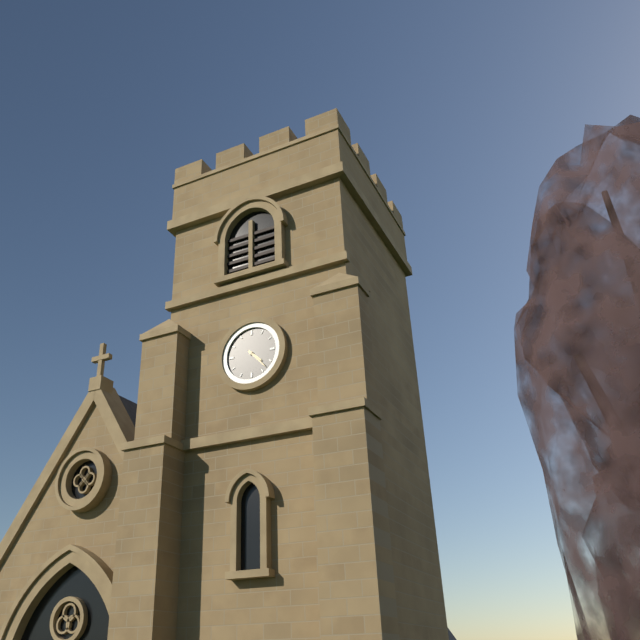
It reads 4:23
